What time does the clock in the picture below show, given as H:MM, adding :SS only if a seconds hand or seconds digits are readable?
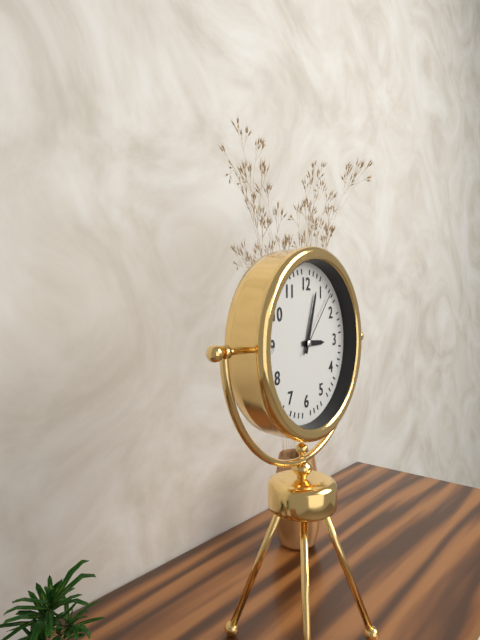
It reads 3:03:07
